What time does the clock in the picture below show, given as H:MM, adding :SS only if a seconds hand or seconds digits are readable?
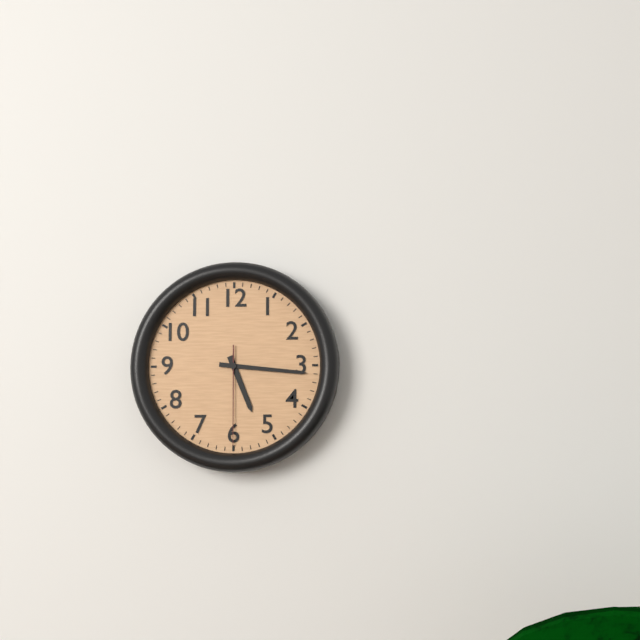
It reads 5:16:30
